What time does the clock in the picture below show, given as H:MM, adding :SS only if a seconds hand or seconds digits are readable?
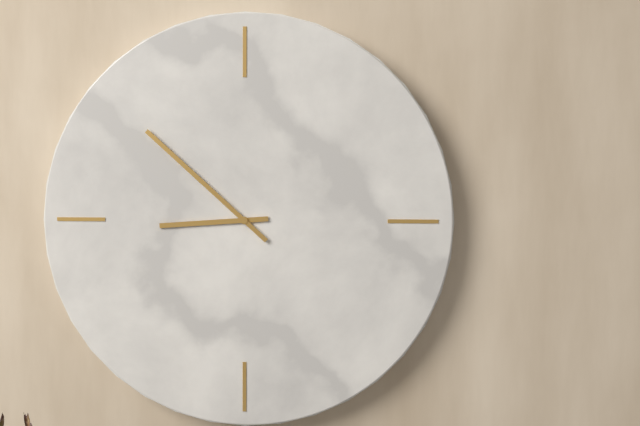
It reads 8:52
